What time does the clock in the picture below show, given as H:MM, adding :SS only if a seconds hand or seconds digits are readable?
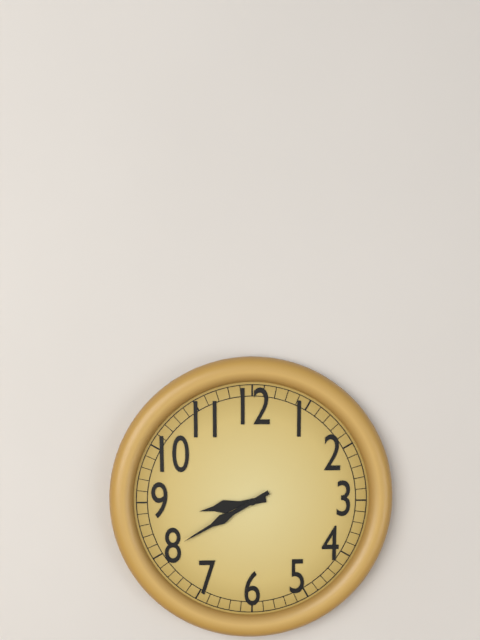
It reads 8:40
